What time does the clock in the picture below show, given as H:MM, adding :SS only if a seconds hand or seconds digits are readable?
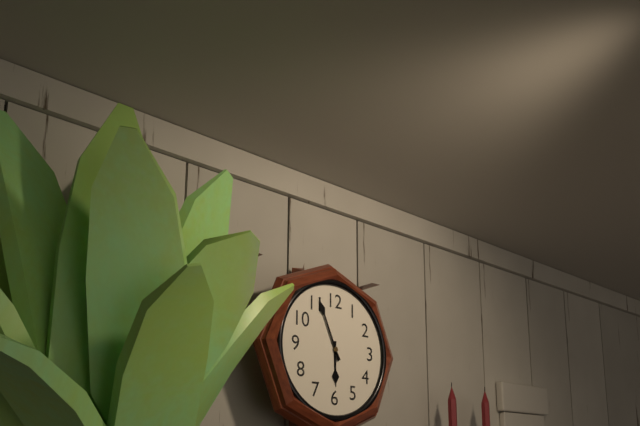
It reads 5:56
